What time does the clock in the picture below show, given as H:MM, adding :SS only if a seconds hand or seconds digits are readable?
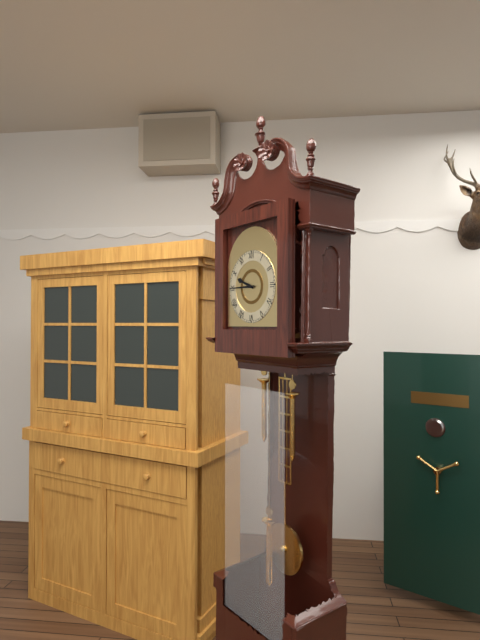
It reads 9:45
